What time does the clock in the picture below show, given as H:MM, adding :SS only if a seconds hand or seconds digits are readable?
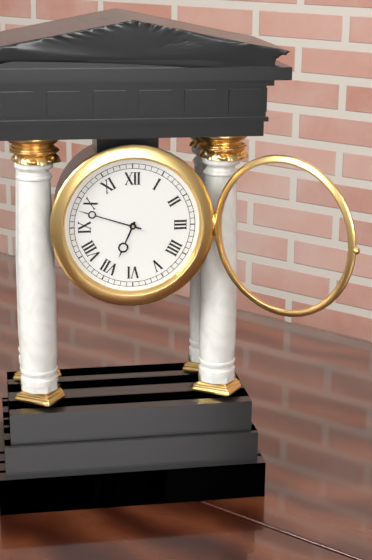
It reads 6:48
